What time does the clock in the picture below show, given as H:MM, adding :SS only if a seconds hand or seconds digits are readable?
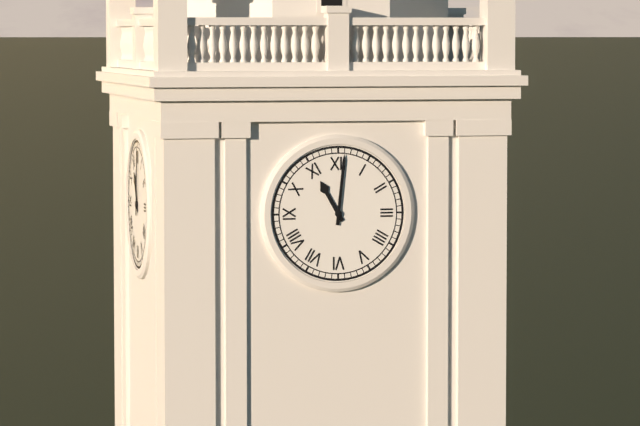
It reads 11:01
